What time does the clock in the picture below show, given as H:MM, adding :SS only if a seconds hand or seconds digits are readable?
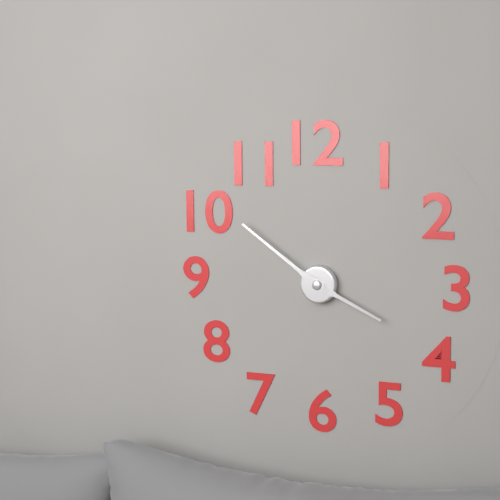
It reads 3:51
